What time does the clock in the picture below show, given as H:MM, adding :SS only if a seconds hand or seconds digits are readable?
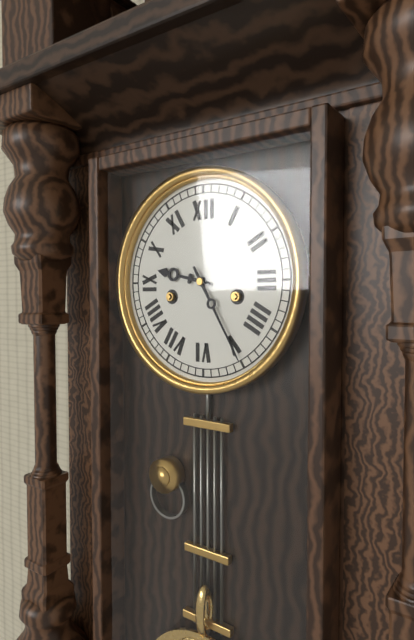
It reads 9:25
